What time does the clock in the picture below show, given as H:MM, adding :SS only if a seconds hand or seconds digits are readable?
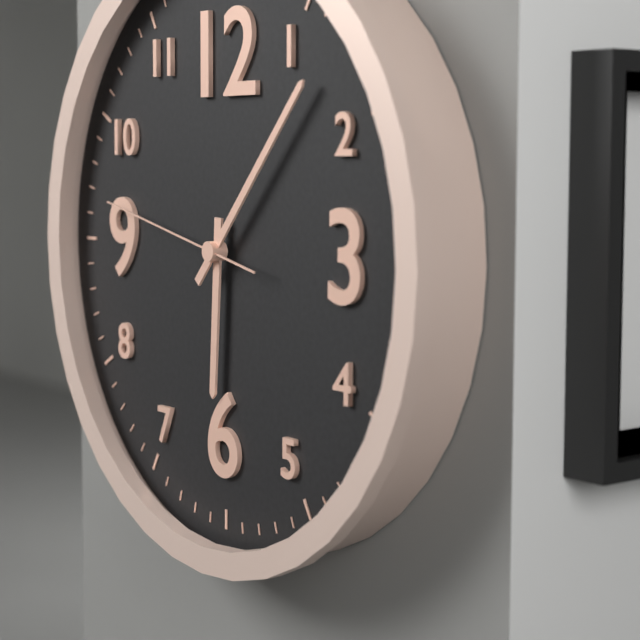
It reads 6:07:47
